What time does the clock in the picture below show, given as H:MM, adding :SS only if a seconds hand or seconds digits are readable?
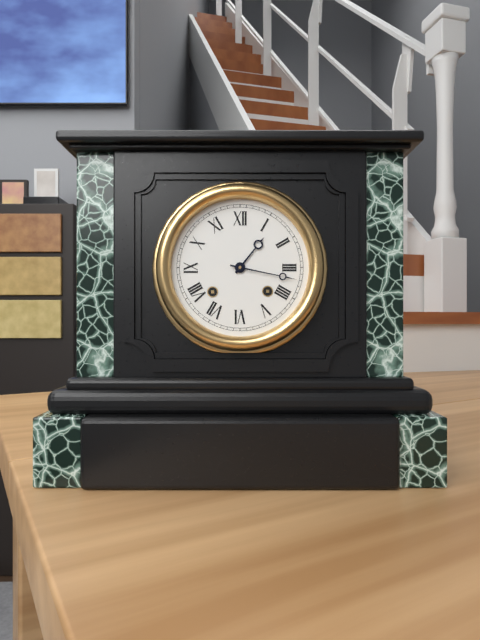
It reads 1:17
